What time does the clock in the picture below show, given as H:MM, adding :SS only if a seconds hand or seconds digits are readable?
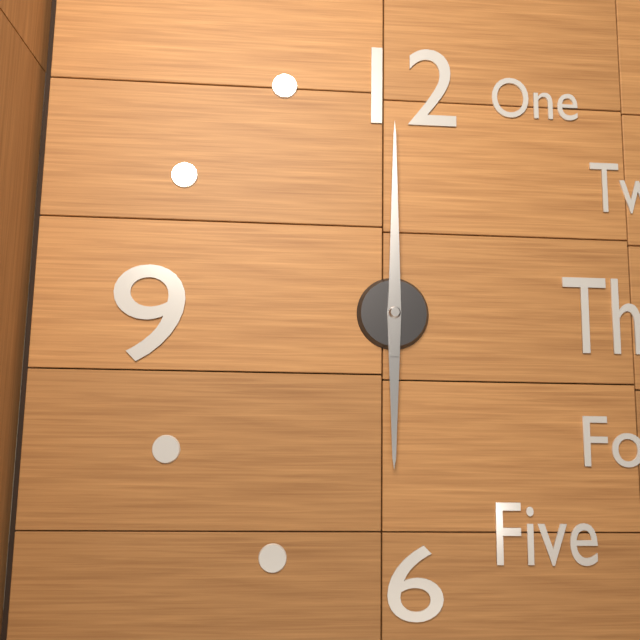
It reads 6:00
